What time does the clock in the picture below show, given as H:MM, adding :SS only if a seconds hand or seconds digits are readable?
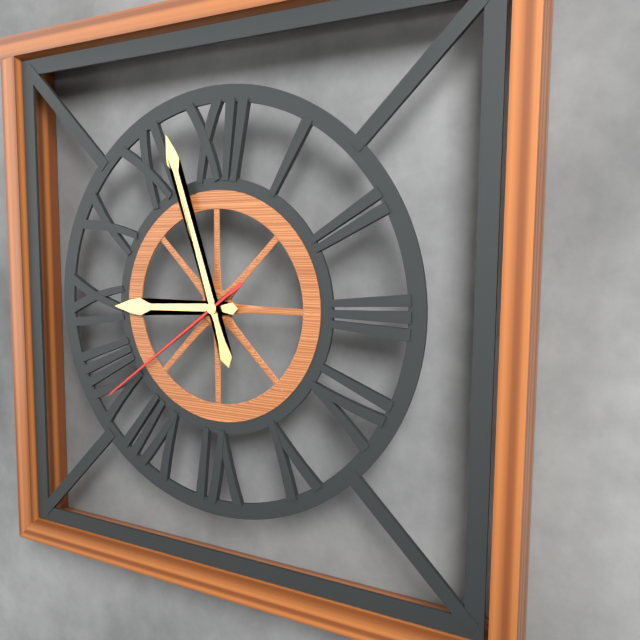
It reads 8:57:39
